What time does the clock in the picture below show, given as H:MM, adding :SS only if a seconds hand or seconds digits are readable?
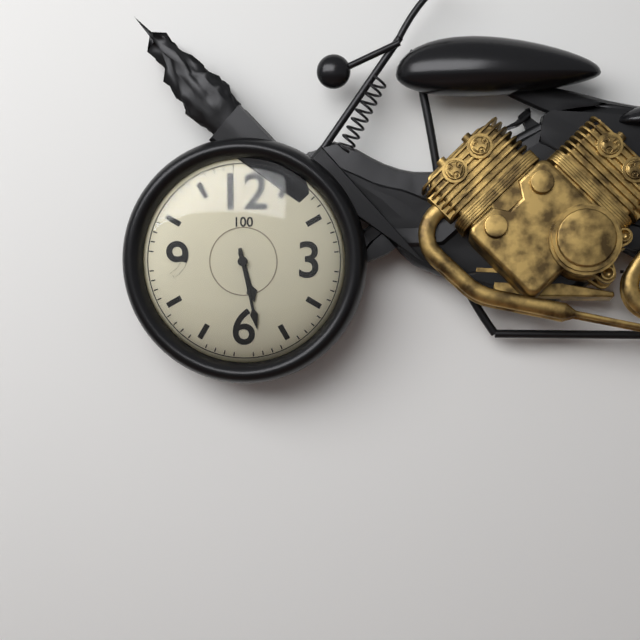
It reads 5:28
